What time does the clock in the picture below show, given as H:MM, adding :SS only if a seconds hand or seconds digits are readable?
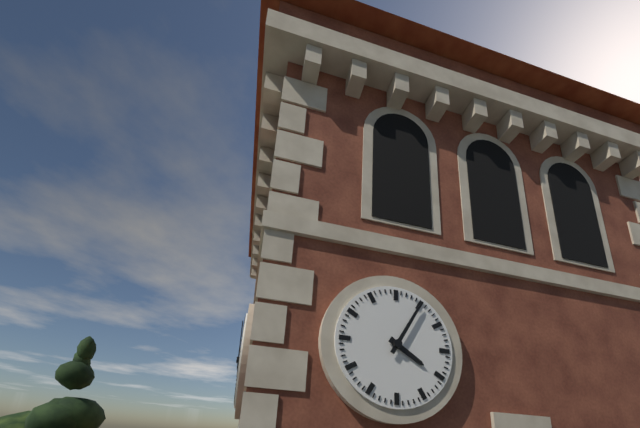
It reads 4:05
